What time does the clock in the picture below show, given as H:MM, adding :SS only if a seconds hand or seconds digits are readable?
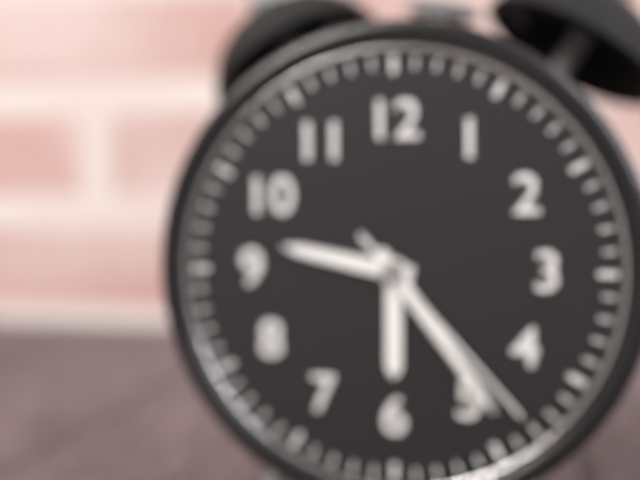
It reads 9:24:23
